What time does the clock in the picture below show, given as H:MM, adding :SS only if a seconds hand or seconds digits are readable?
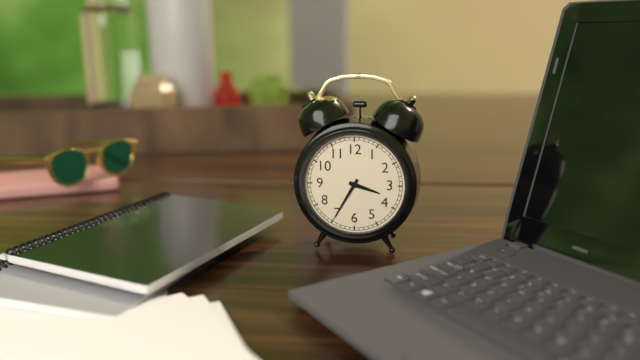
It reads 3:35
